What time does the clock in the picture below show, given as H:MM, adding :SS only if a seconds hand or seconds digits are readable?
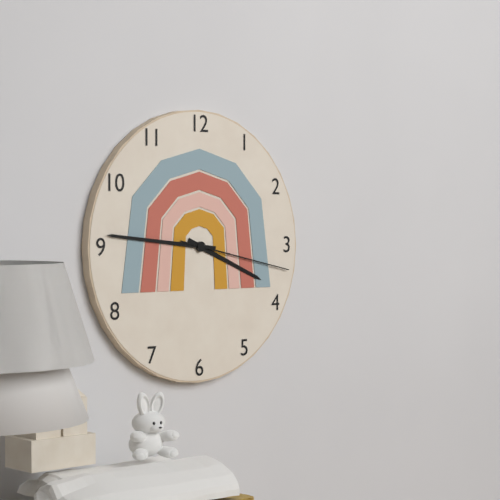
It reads 3:46:17
